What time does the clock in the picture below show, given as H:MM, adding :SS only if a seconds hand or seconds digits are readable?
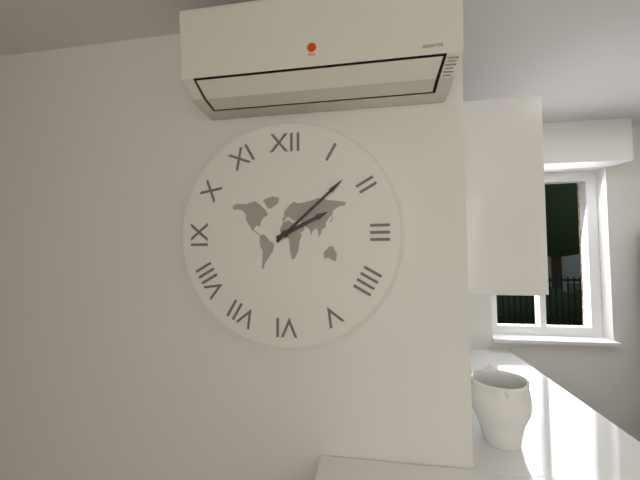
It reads 2:08
